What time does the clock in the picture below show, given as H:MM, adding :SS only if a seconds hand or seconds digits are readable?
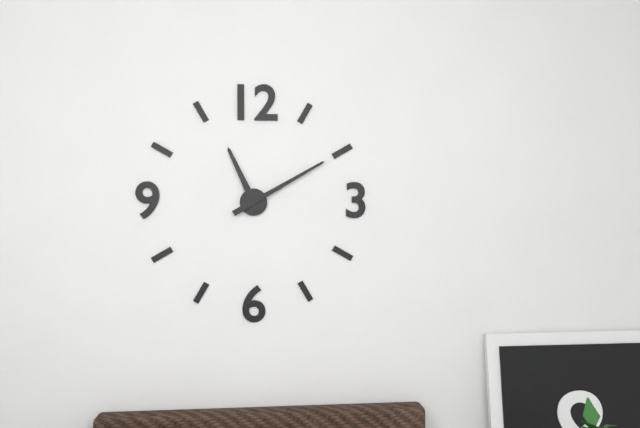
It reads 11:10
